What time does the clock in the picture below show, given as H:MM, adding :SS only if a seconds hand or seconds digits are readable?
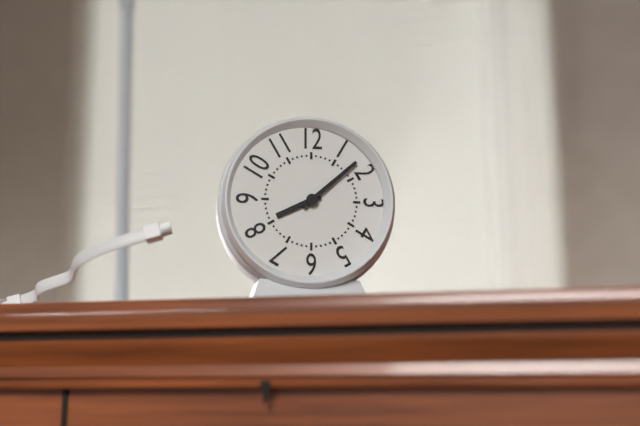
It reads 8:08
